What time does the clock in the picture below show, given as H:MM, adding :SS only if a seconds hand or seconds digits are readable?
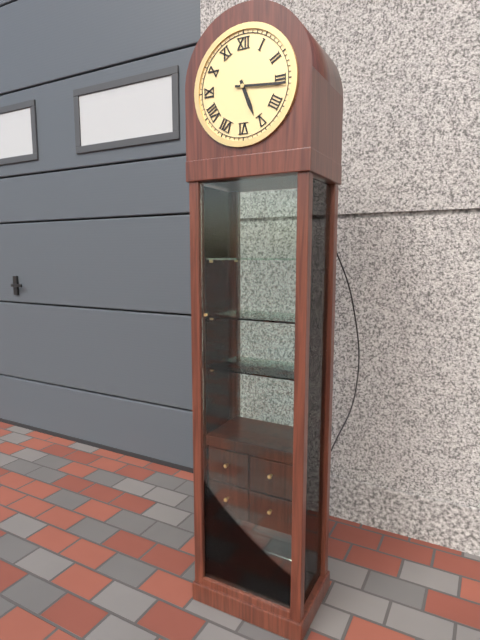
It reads 5:16
